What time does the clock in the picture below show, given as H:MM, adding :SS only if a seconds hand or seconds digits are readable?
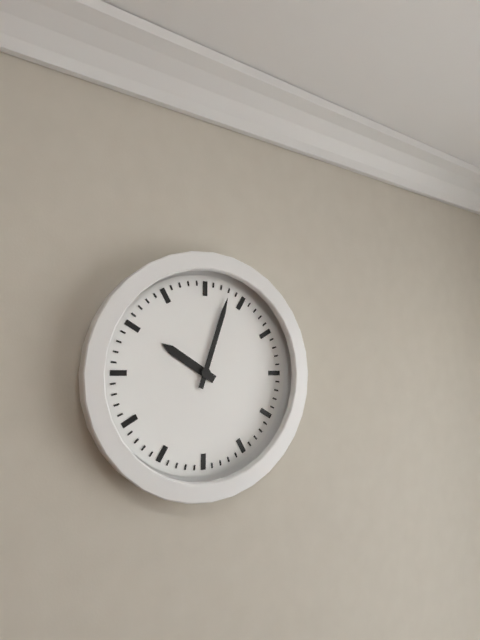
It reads 10:03
